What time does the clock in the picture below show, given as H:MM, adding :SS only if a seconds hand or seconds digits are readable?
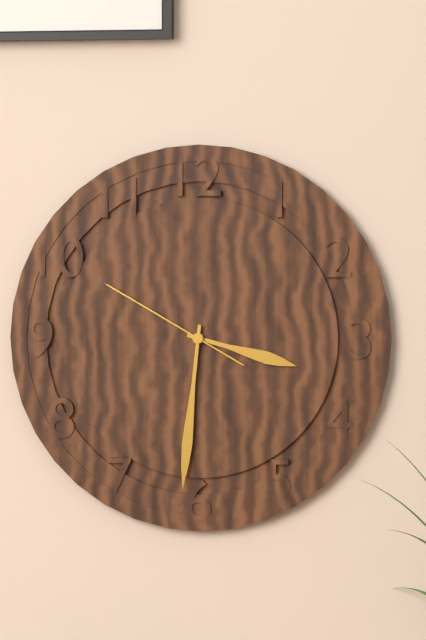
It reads 3:31:50
